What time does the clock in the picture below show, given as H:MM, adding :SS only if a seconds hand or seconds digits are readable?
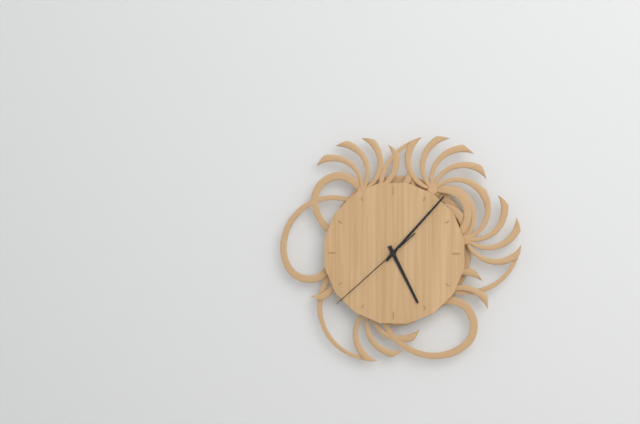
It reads 5:07:38
